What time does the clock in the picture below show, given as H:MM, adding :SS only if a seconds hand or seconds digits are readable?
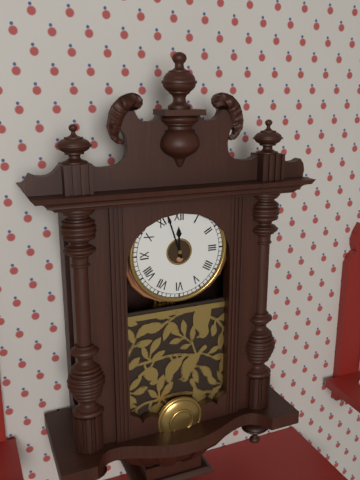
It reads 11:57
